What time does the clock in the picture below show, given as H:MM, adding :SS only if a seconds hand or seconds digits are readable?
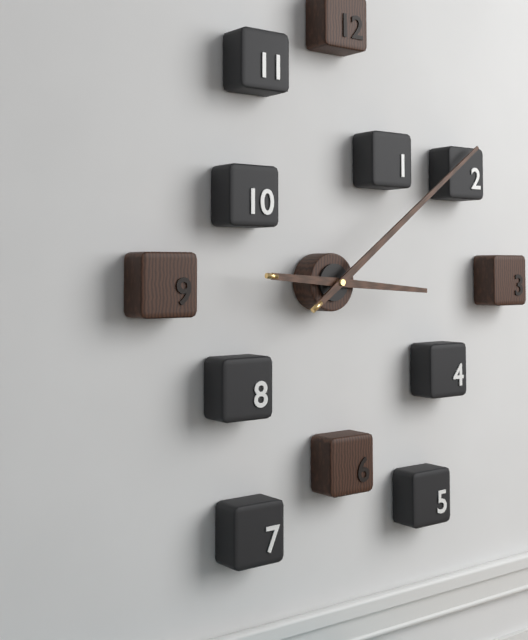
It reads 3:09
